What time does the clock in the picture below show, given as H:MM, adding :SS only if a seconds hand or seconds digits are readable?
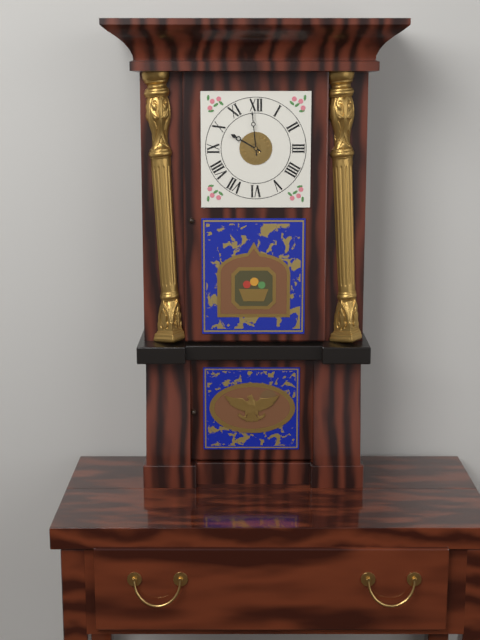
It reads 9:59
